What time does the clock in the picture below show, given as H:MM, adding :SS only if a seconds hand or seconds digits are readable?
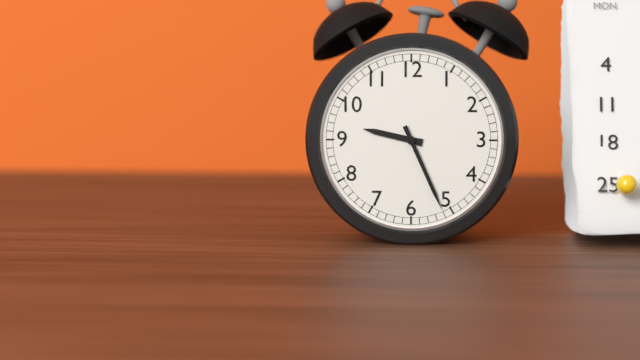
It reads 9:26
